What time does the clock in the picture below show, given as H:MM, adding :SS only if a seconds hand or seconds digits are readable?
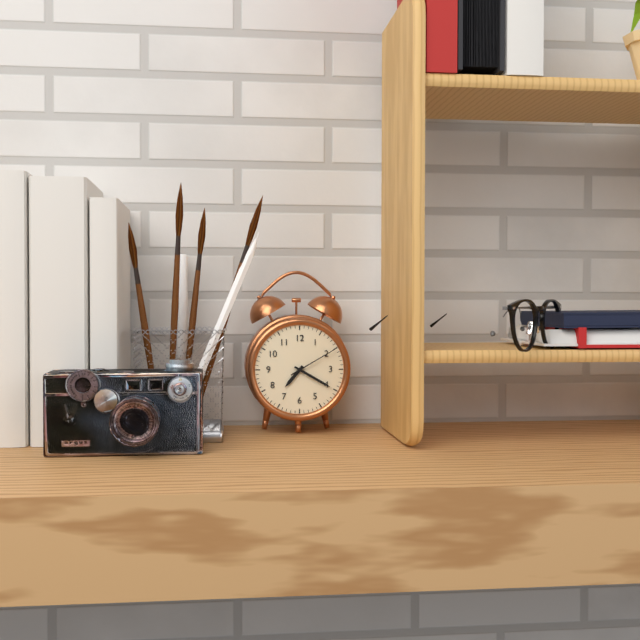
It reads 7:20:10
